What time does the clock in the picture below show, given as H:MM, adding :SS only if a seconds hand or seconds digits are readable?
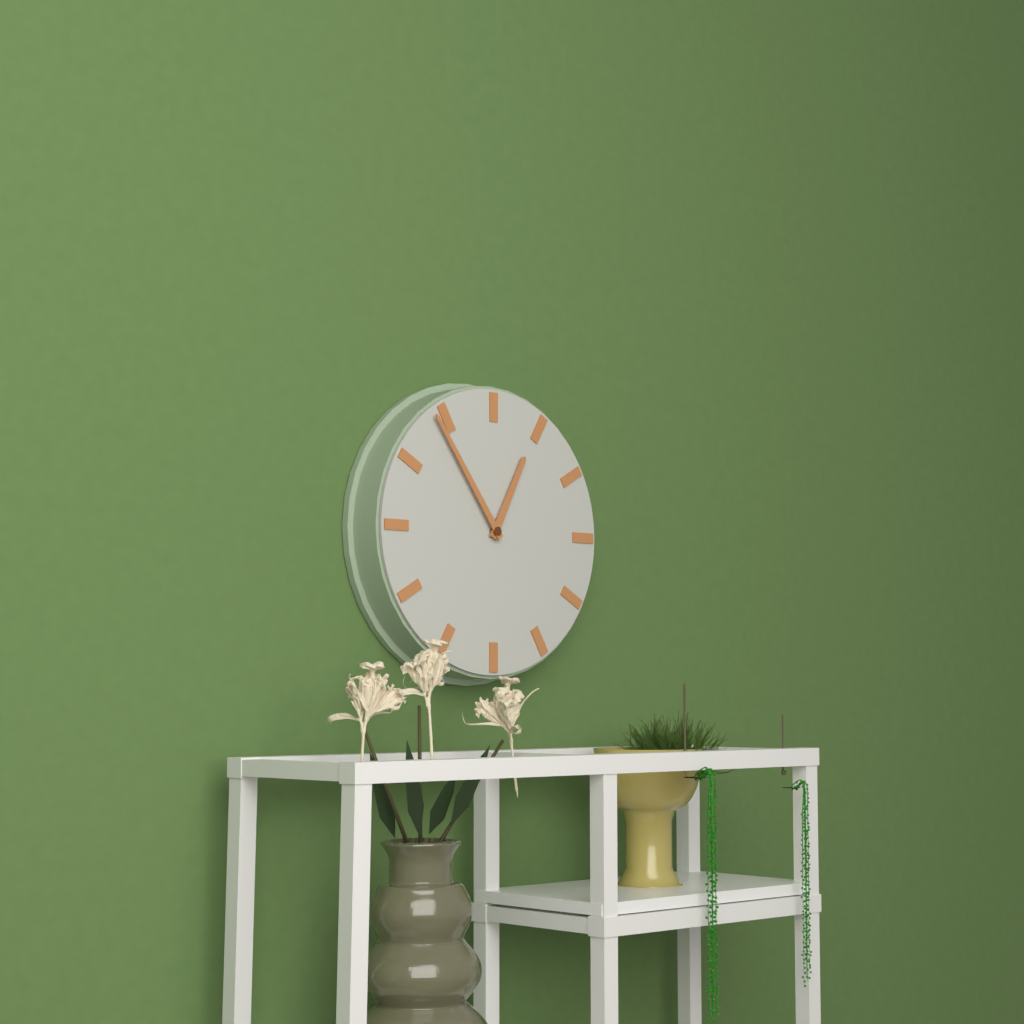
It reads 12:54
